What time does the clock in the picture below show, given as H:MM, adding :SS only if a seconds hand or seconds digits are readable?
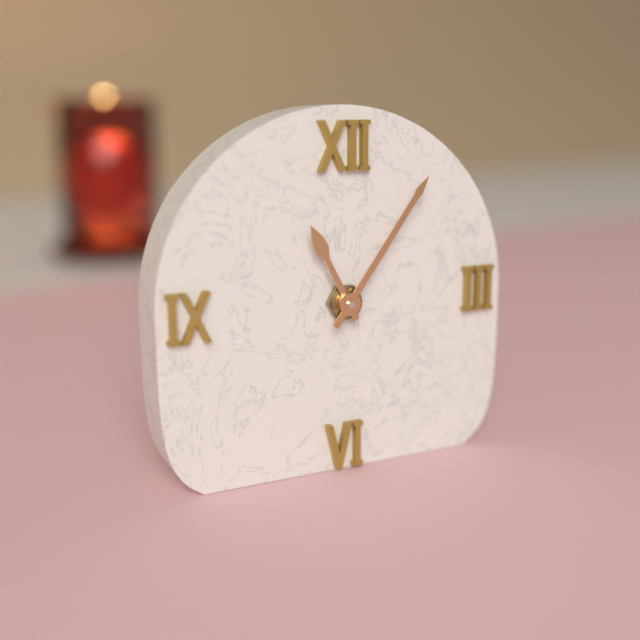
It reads 11:06
